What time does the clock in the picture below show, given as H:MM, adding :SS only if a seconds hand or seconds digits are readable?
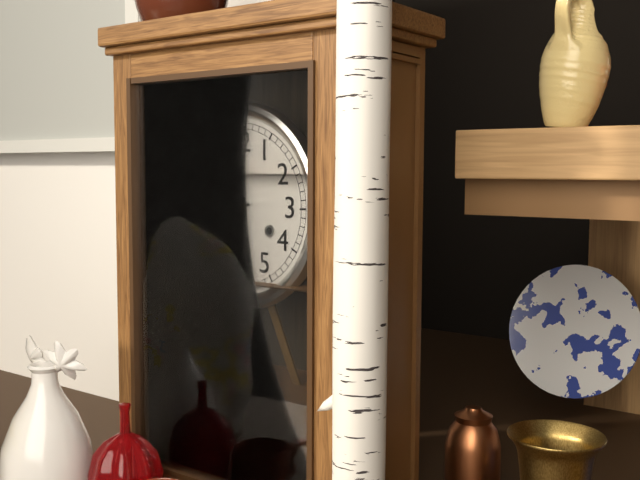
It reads 11:43
